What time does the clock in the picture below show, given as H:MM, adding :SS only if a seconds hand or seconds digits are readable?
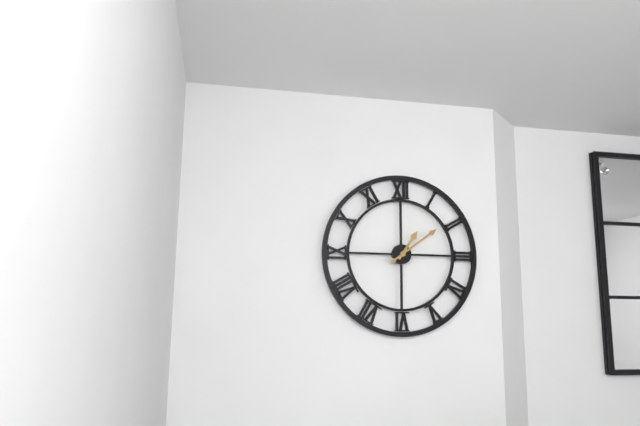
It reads 1:09
